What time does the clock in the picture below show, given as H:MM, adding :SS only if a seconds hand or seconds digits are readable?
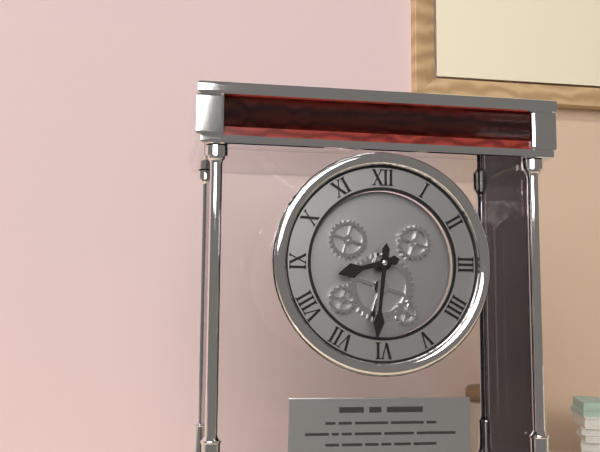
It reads 8:31
